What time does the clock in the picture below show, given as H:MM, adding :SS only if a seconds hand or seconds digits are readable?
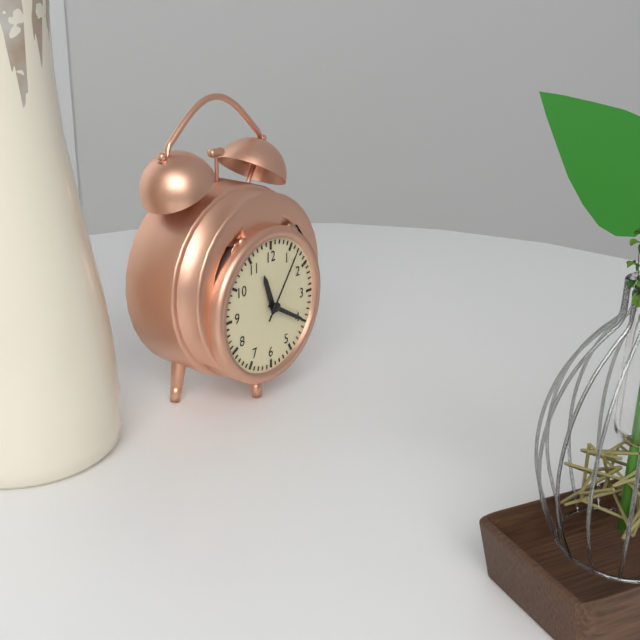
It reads 11:20:06
